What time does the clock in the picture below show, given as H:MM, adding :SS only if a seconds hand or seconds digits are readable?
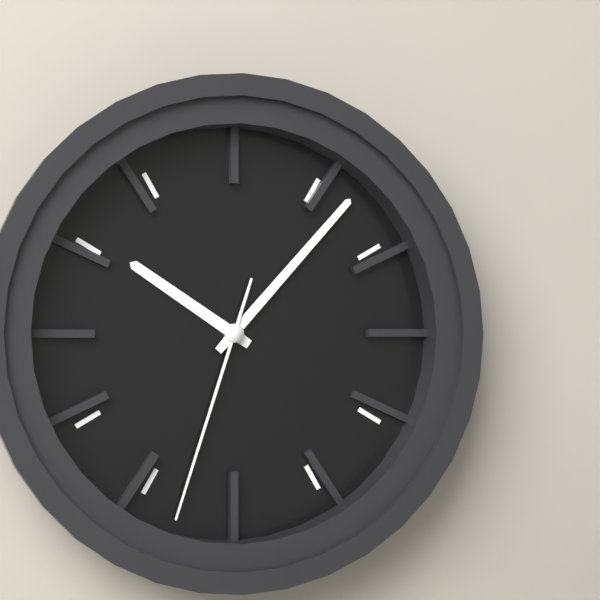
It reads 10:07:33
